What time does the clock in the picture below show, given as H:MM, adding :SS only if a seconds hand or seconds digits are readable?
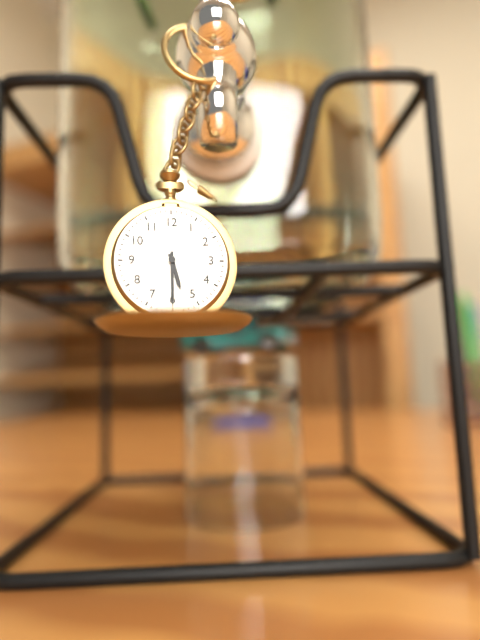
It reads 5:30
